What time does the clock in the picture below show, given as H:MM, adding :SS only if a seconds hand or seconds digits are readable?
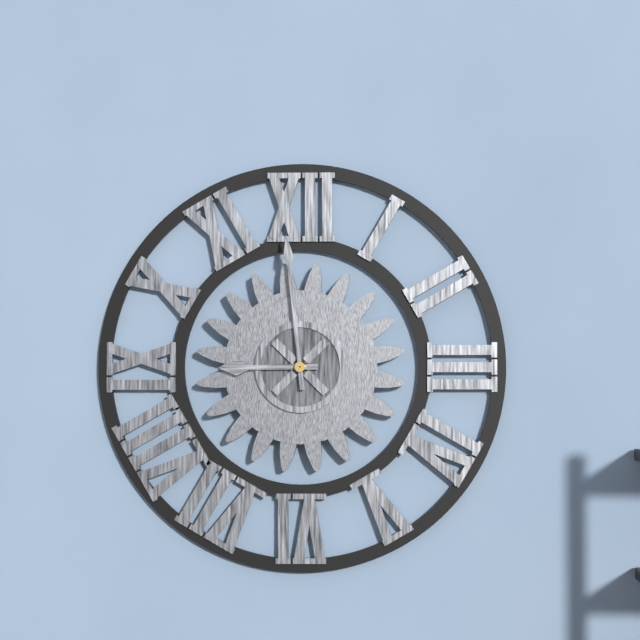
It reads 8:59
